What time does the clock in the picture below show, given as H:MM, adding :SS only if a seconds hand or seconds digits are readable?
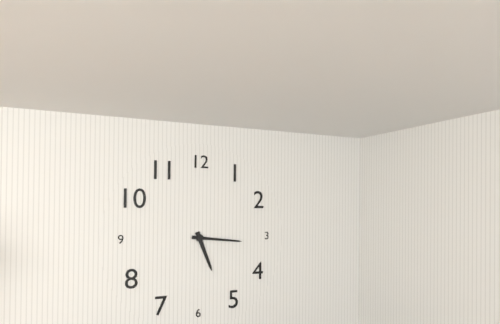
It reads 5:16
